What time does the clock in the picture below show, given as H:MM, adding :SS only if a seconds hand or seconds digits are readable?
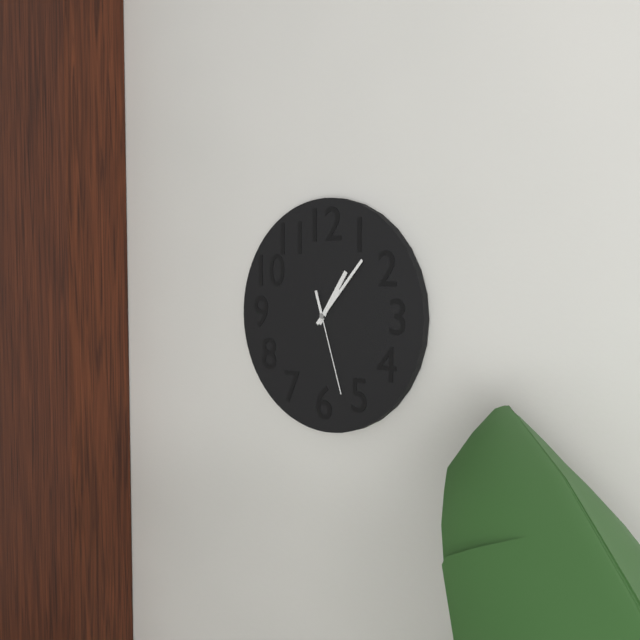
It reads 1:07:27
